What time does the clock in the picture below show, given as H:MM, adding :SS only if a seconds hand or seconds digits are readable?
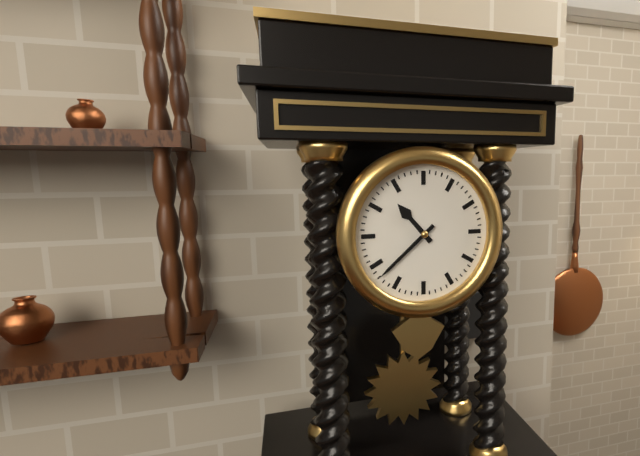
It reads 10:38
